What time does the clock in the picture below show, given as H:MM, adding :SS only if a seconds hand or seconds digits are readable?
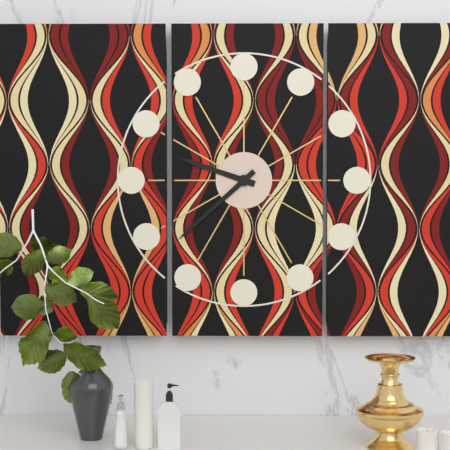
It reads 9:38
